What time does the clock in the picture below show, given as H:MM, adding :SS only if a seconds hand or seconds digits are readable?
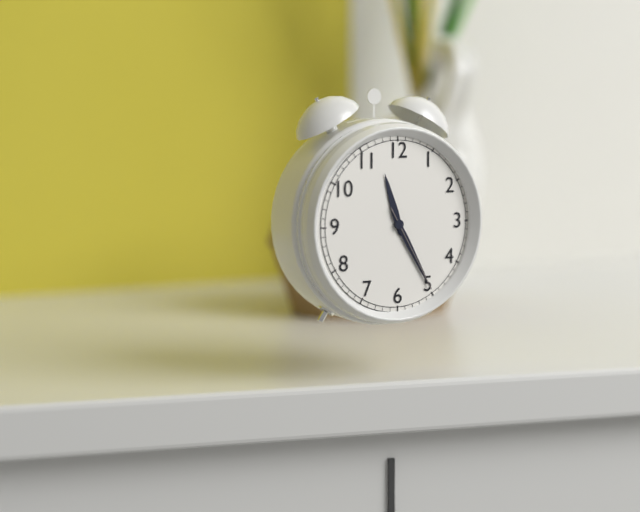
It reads 11:25:25
